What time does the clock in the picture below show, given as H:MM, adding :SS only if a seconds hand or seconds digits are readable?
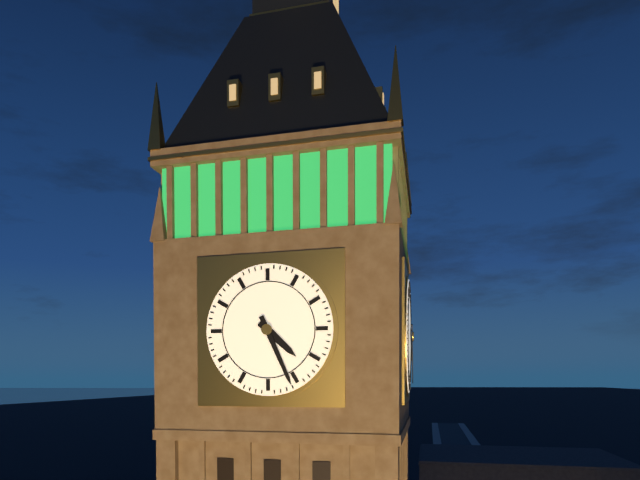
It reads 4:26
